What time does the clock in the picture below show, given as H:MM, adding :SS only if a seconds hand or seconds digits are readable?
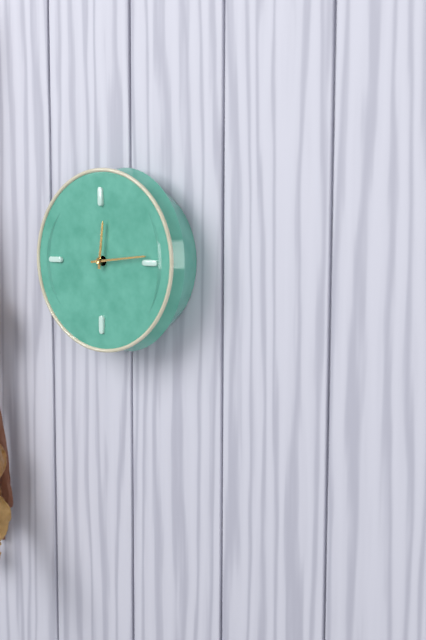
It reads 12:14
